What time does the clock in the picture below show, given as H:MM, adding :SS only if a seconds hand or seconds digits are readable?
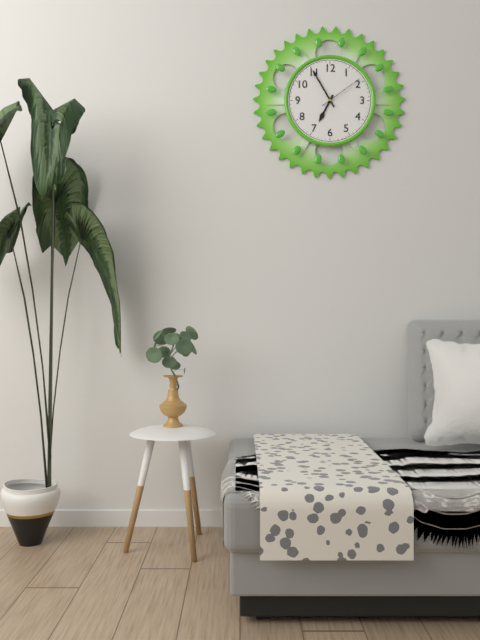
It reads 6:55
